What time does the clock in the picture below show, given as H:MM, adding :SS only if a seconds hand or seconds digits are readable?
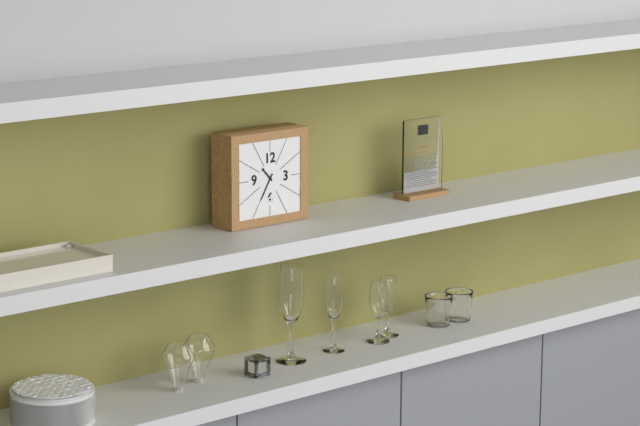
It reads 10:35
